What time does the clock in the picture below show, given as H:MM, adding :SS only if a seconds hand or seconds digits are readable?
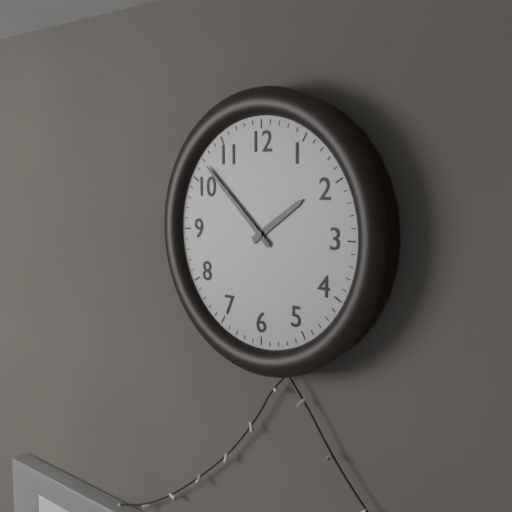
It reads 1:52
